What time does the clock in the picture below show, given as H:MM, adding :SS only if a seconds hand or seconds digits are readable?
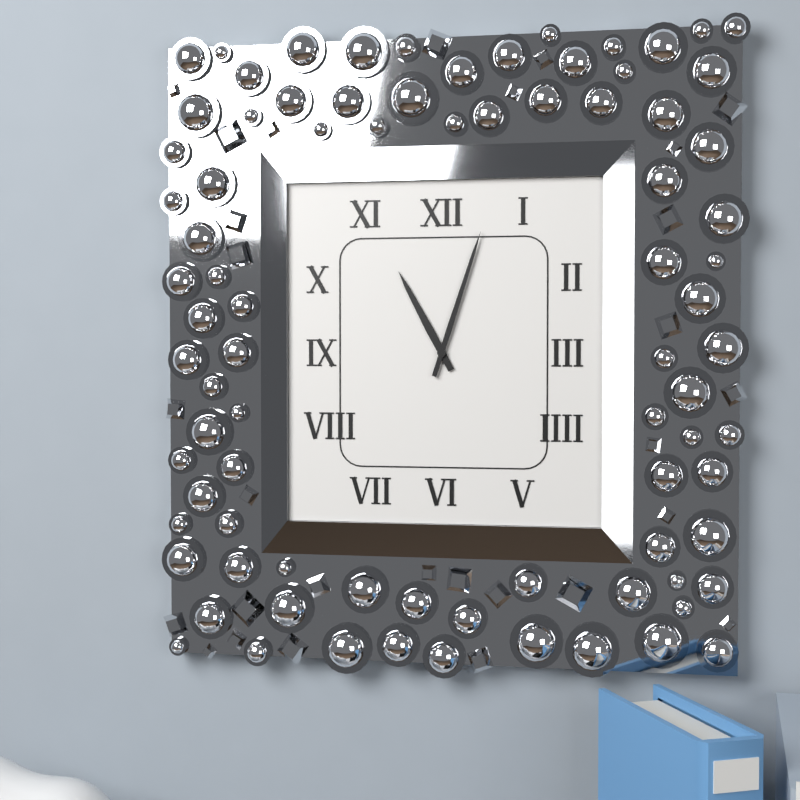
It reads 11:03
